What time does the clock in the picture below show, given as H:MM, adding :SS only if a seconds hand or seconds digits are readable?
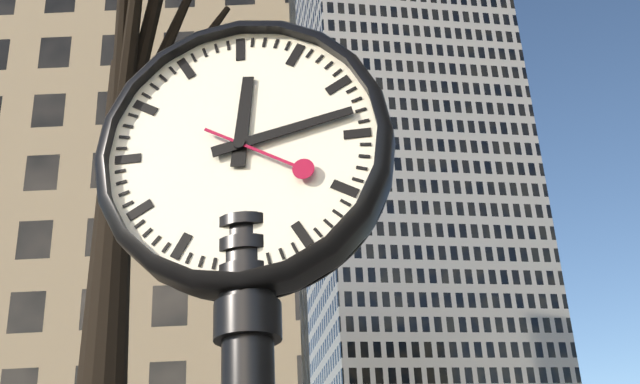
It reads 12:13:20
